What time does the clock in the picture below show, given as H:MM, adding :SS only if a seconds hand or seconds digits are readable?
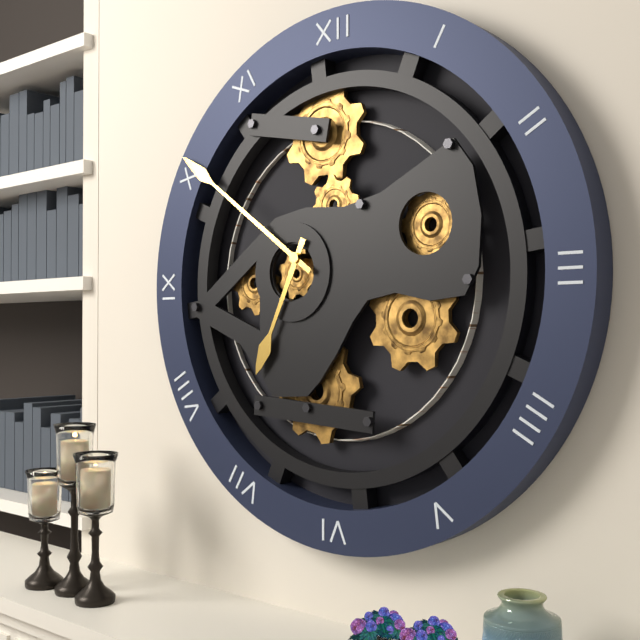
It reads 6:51
